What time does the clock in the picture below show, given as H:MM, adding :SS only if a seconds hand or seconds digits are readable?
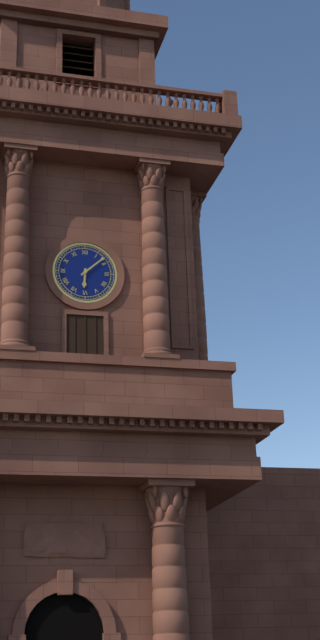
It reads 6:08
